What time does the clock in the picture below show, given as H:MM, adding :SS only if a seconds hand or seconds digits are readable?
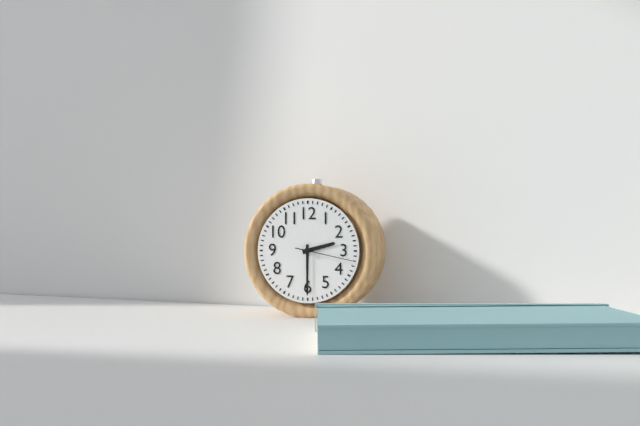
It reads 2:30:17
